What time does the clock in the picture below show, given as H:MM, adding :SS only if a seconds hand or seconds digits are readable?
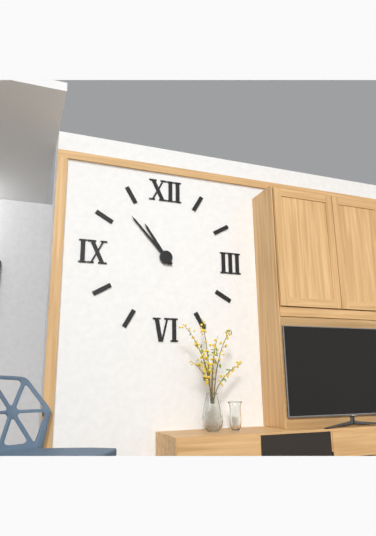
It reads 10:53
